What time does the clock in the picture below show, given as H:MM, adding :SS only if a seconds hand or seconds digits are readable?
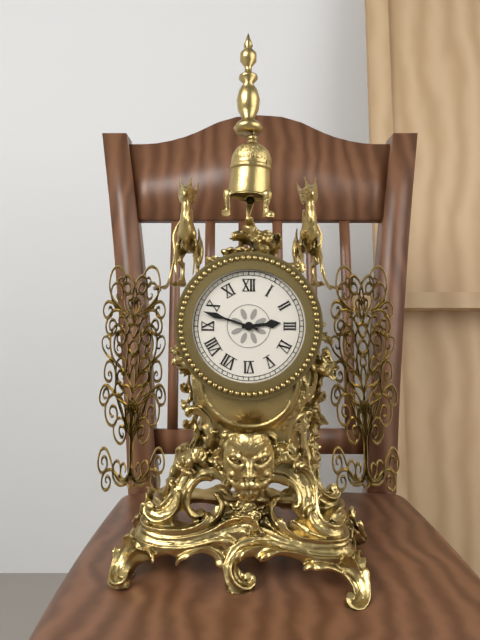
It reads 2:48
